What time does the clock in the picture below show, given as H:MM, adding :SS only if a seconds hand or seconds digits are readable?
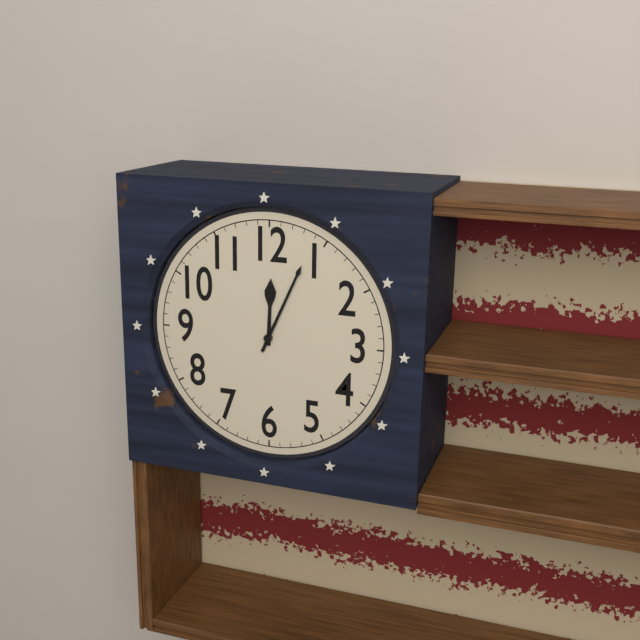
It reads 12:04
